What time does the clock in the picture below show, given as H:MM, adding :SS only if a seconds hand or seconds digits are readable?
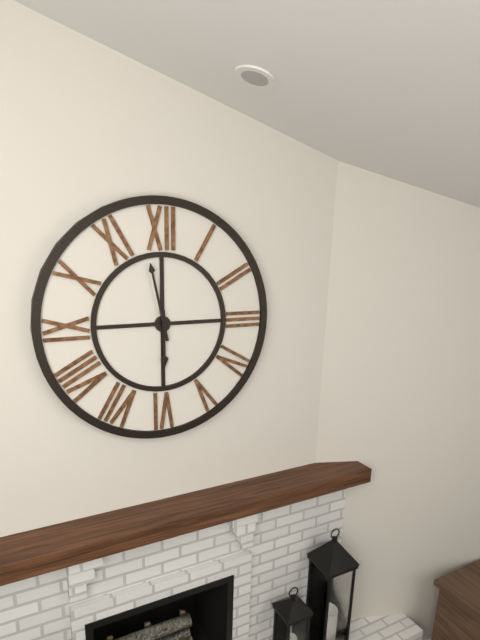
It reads 5:58
